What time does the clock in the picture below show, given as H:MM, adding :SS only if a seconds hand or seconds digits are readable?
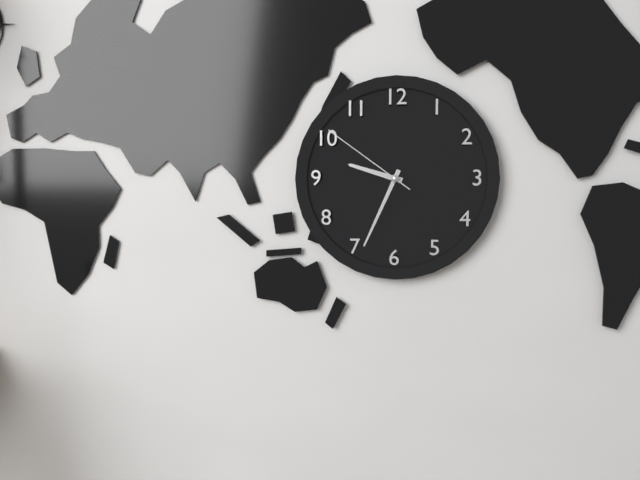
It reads 9:34:51
